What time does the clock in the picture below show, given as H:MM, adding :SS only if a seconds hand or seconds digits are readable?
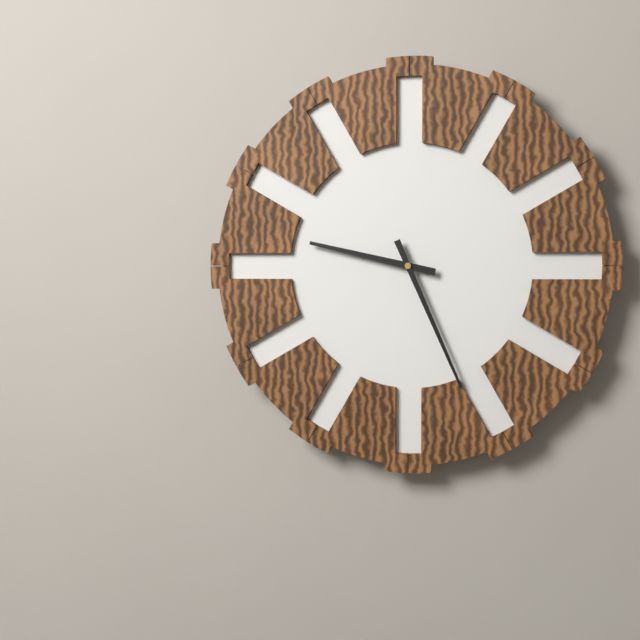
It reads 9:26
